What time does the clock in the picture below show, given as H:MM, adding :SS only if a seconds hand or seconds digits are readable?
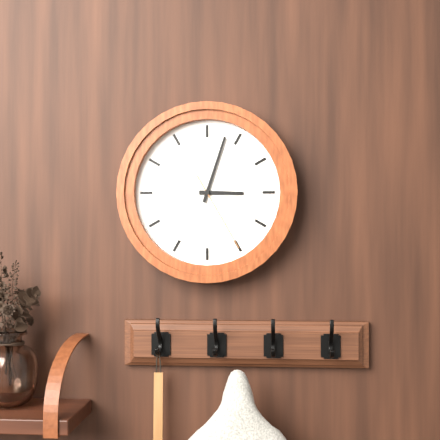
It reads 3:03:25
